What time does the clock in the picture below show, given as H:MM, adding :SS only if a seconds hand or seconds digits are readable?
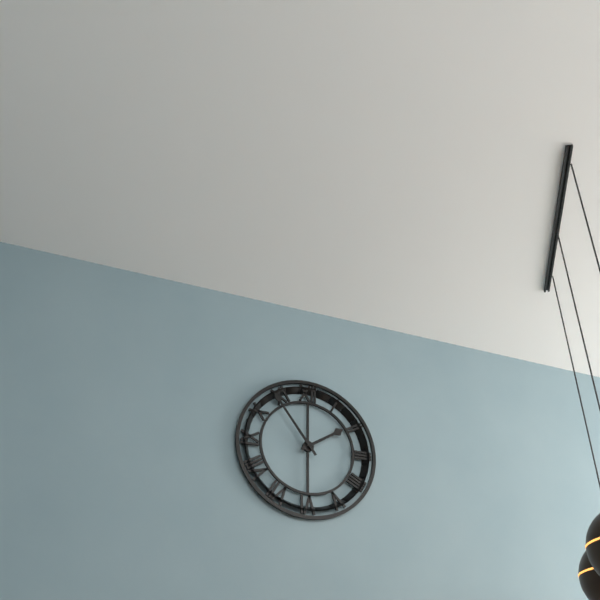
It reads 1:54
